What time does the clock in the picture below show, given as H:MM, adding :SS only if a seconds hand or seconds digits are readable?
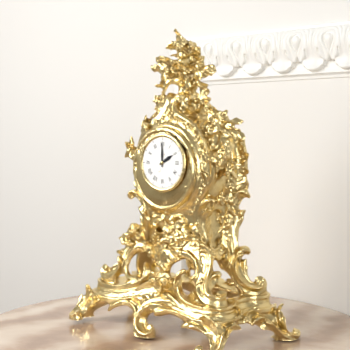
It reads 2:00
